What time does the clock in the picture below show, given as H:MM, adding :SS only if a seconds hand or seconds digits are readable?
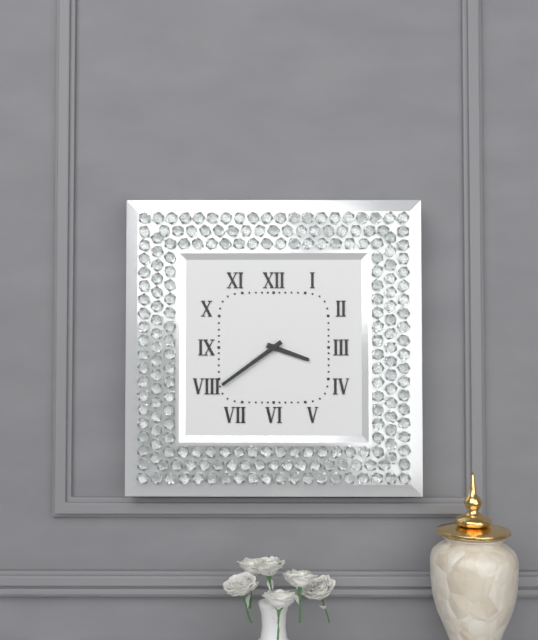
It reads 3:39
